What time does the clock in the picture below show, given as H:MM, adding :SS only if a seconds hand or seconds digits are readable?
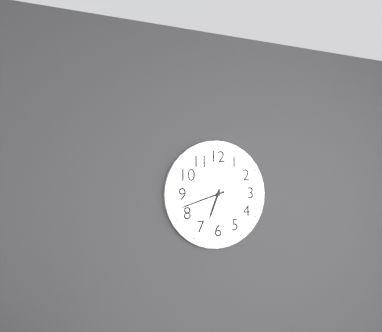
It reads 6:42
